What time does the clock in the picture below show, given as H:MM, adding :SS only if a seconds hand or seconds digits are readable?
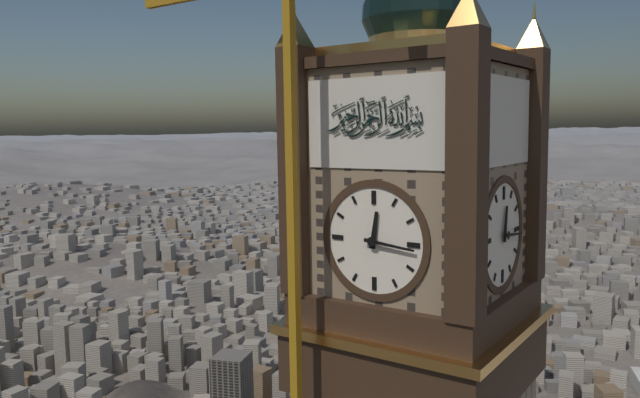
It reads 12:16
